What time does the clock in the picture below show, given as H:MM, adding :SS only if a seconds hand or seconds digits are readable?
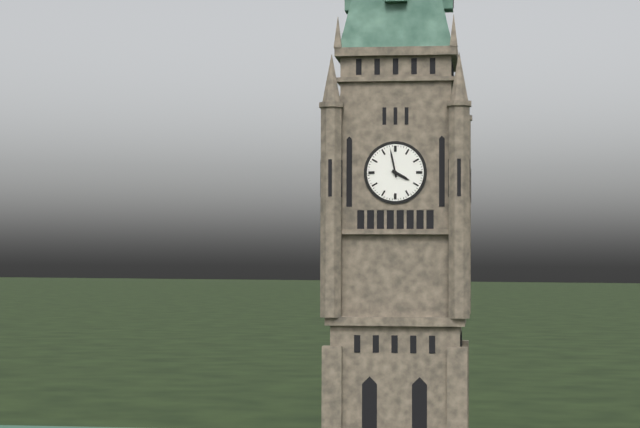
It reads 3:58
